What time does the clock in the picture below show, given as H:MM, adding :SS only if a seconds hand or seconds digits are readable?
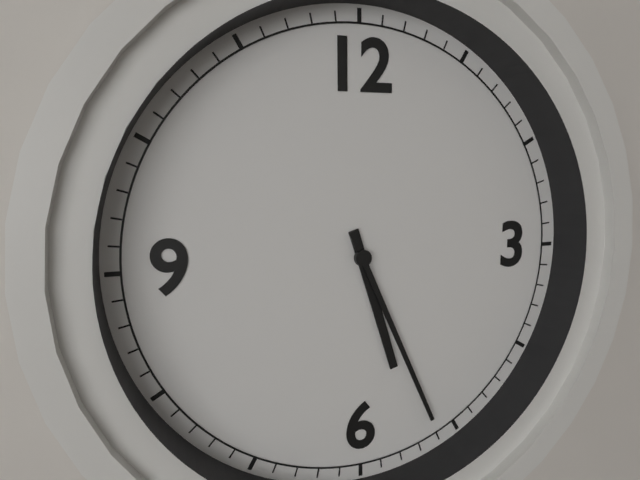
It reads 5:26
